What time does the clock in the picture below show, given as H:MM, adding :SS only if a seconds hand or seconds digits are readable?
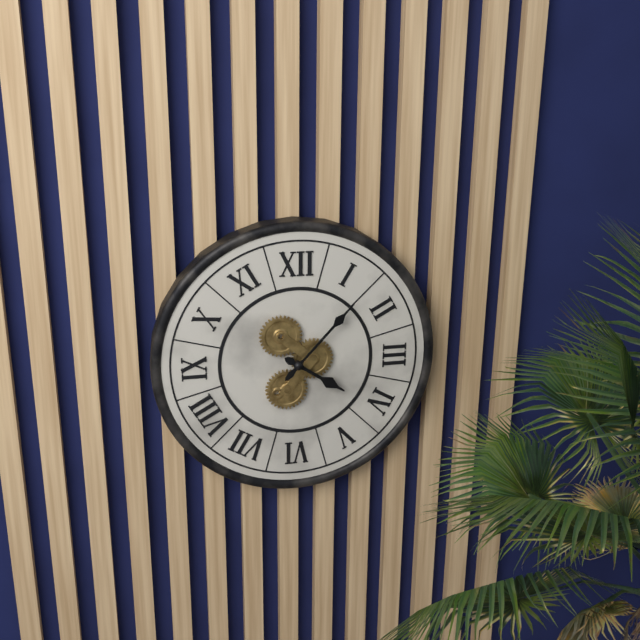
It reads 4:07
